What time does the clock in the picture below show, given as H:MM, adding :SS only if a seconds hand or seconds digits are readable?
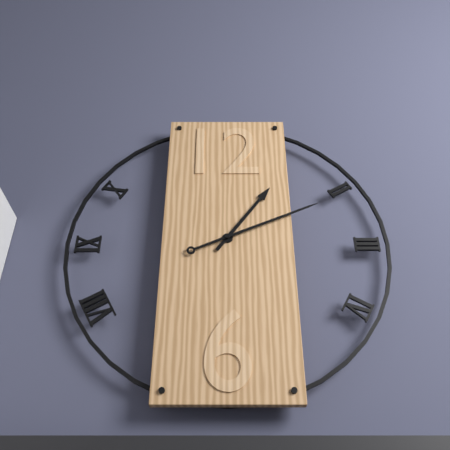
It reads 1:11
